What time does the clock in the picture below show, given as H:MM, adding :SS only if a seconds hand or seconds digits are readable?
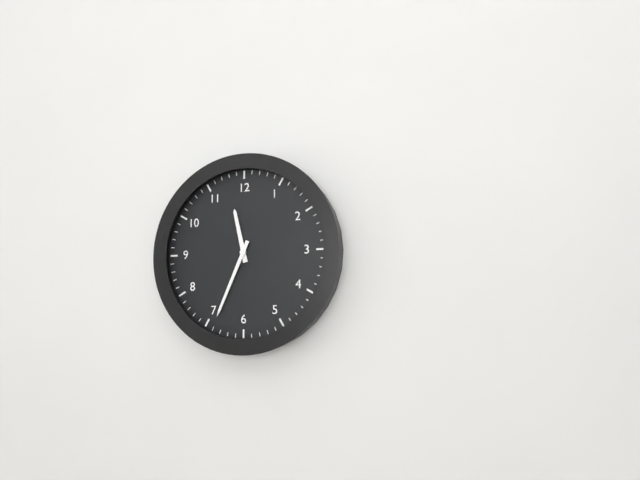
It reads 11:34
